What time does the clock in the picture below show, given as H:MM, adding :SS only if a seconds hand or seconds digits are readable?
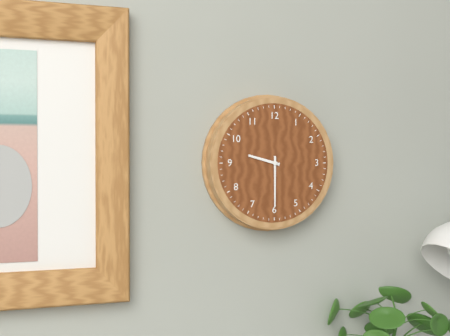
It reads 9:30
